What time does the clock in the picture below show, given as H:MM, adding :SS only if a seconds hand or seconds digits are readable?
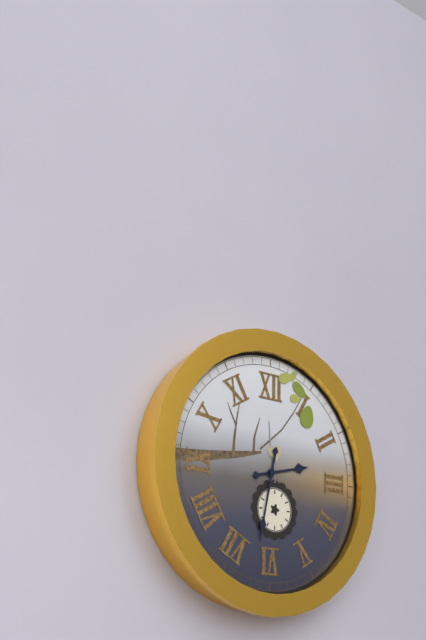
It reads 2:32
